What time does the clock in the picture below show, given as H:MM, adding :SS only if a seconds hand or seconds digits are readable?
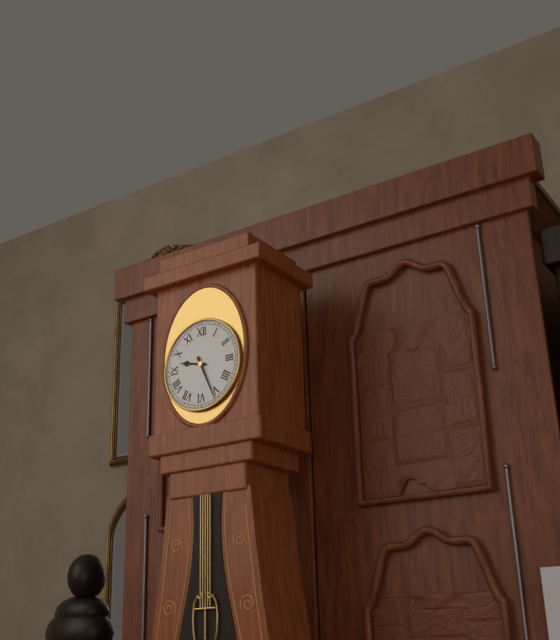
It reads 9:26
